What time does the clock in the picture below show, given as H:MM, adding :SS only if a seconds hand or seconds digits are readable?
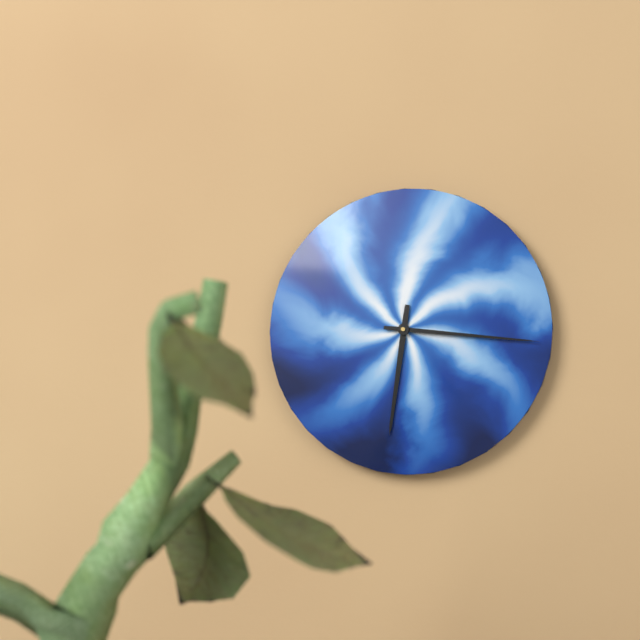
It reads 6:16
